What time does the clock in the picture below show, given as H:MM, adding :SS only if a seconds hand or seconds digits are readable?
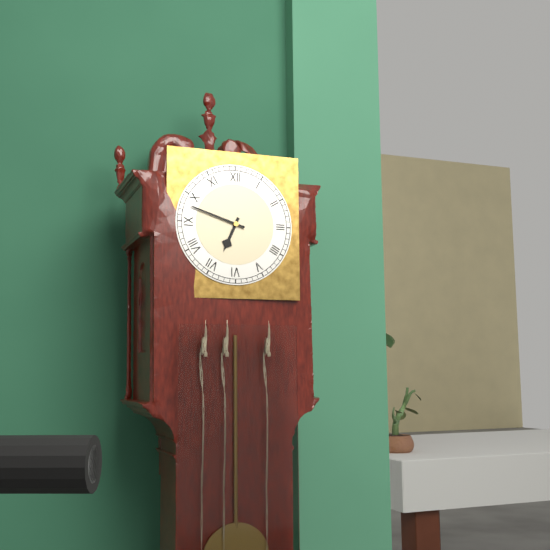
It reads 6:48
